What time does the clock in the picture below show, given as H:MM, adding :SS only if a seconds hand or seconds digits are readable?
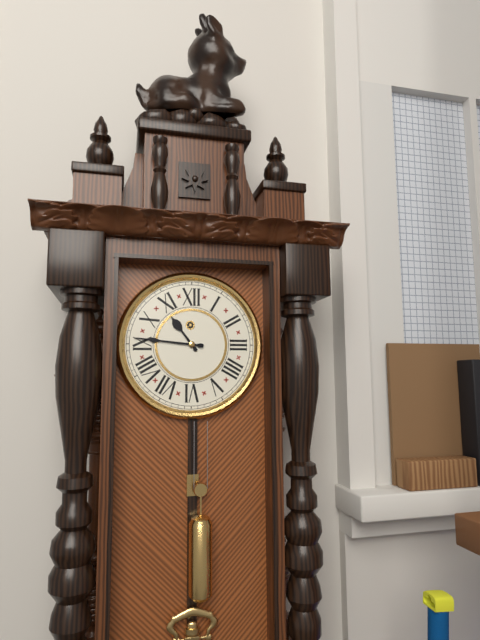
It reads 10:46
